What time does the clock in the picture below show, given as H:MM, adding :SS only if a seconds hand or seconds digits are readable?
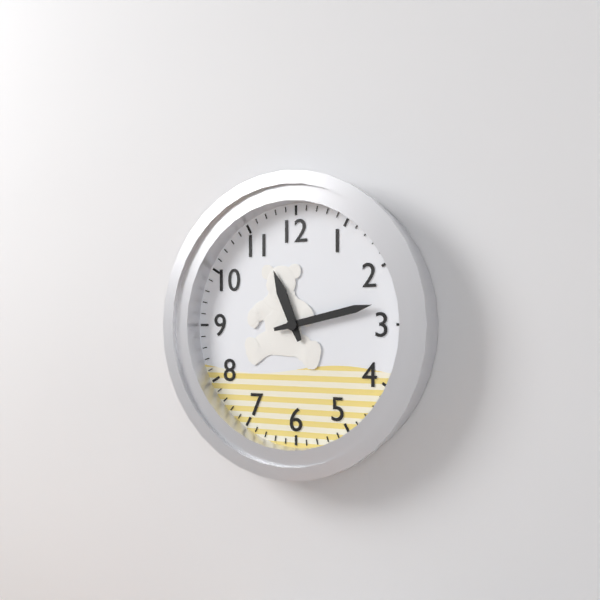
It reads 11:13
